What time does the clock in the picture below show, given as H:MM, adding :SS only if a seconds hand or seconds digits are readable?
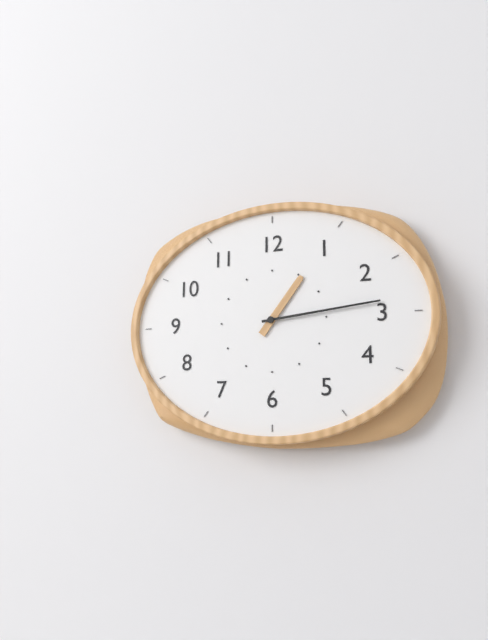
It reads 1:14
